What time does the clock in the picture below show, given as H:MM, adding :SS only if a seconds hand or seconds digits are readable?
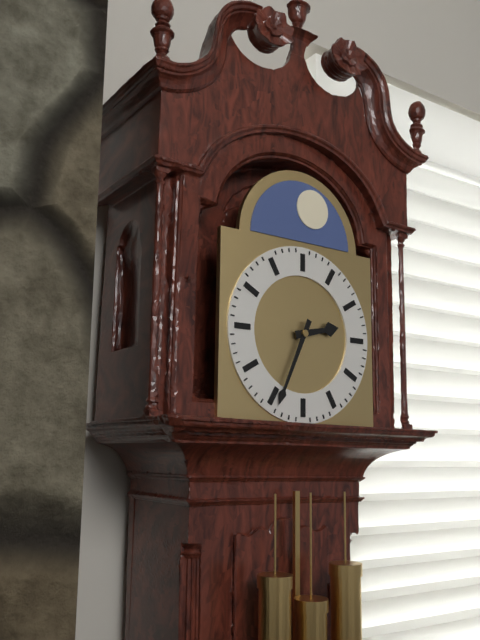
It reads 2:34
